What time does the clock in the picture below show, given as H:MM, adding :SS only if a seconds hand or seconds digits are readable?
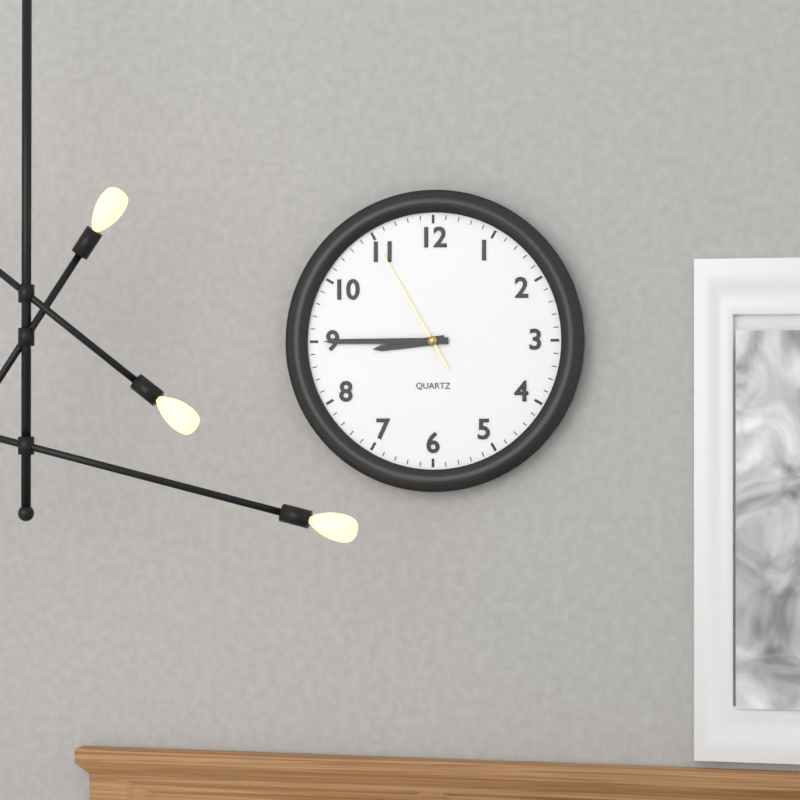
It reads 8:45:55
